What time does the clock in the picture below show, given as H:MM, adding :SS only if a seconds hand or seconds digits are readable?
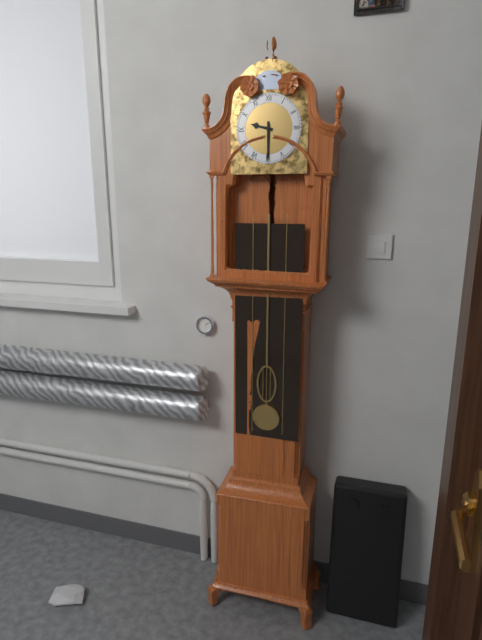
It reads 9:30
